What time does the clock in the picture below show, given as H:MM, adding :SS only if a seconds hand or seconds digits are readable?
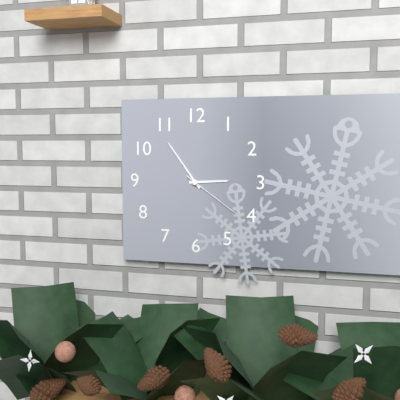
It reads 2:54:21
